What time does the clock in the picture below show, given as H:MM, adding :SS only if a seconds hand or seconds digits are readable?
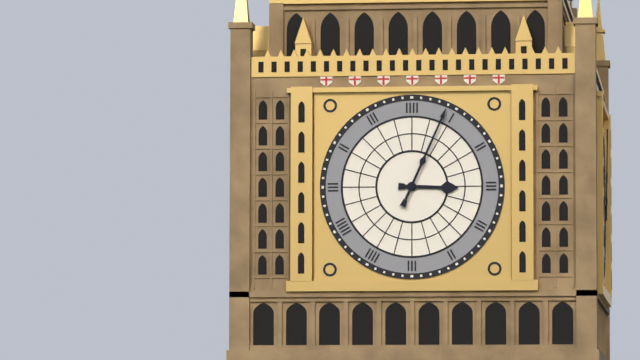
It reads 3:04
